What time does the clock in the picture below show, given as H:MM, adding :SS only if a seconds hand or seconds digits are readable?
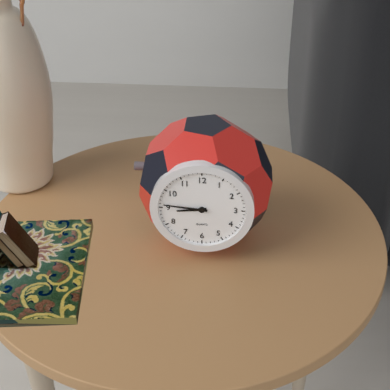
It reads 8:46
